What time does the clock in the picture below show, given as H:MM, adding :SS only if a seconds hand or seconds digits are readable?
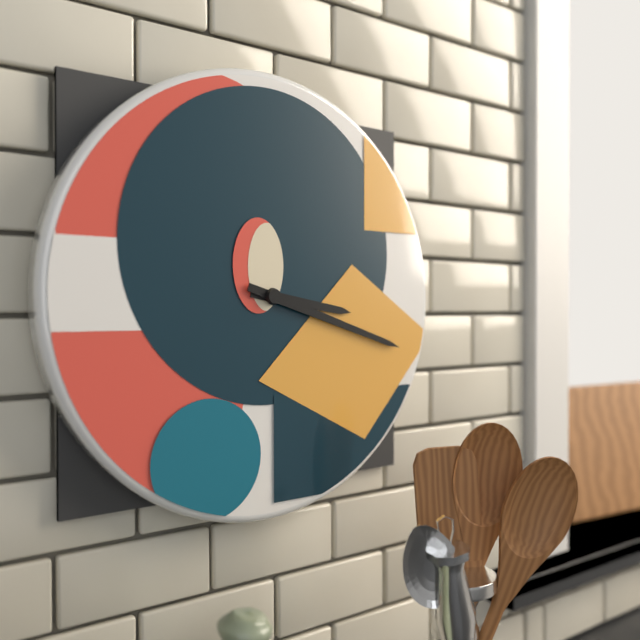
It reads 3:18
